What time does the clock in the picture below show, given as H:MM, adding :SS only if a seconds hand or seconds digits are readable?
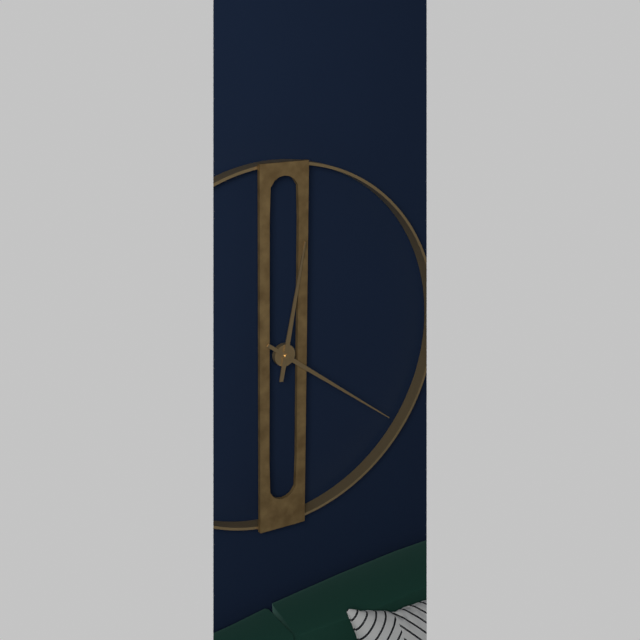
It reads 12:21
